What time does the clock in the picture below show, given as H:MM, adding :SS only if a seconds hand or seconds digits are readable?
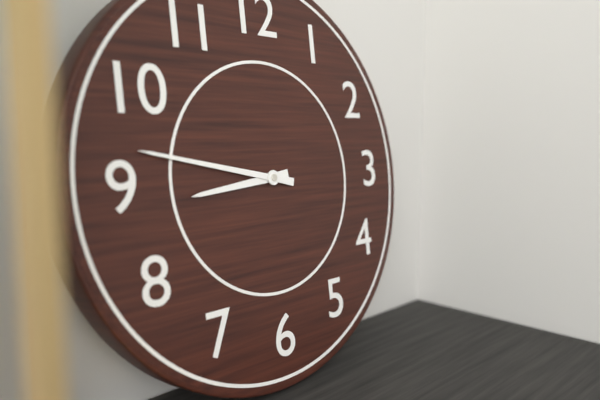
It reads 8:47
